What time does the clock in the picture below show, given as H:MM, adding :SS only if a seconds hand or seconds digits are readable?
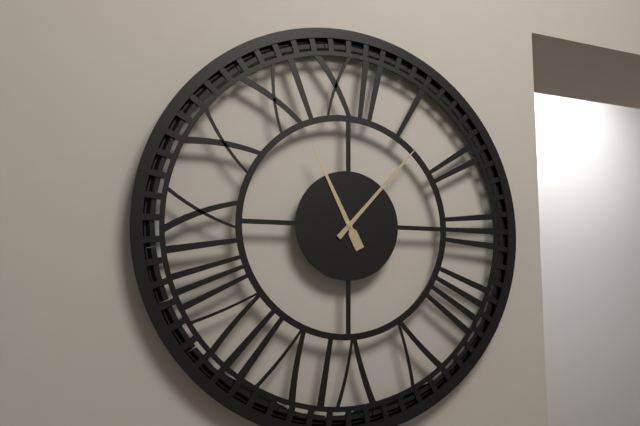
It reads 11:07
